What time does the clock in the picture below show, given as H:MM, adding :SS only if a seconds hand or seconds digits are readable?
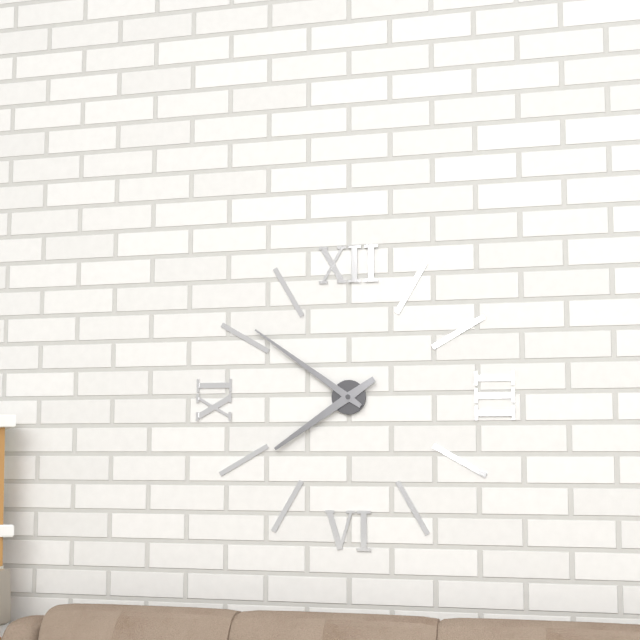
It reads 7:51
